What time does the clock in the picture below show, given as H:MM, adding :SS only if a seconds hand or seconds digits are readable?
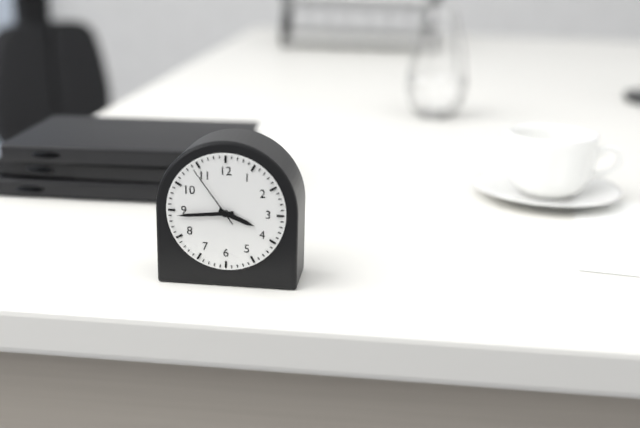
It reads 3:44:54
